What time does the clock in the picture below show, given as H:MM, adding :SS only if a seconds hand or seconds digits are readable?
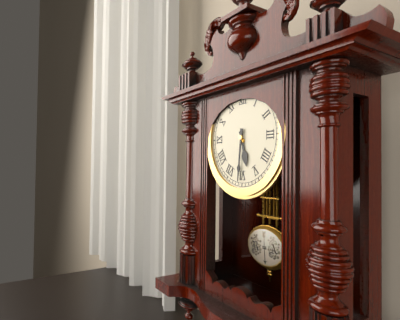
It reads 5:31
